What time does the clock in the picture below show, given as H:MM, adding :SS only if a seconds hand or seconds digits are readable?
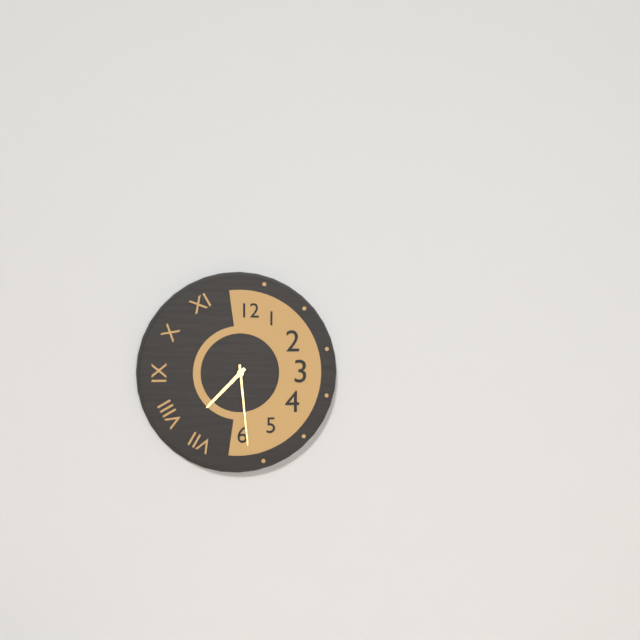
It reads 7:29
